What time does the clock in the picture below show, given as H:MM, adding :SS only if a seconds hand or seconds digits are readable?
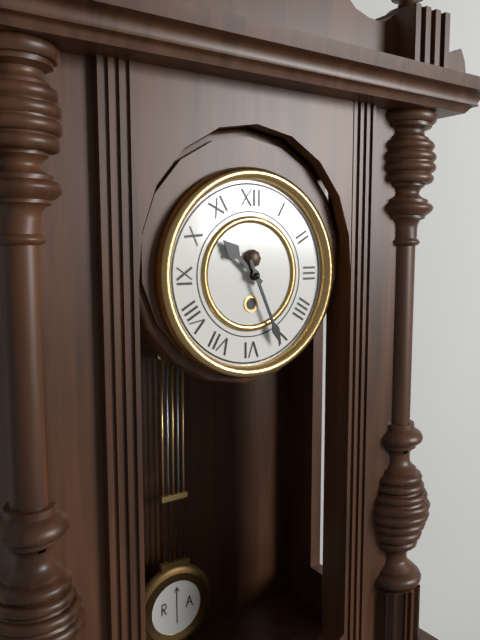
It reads 10:26
